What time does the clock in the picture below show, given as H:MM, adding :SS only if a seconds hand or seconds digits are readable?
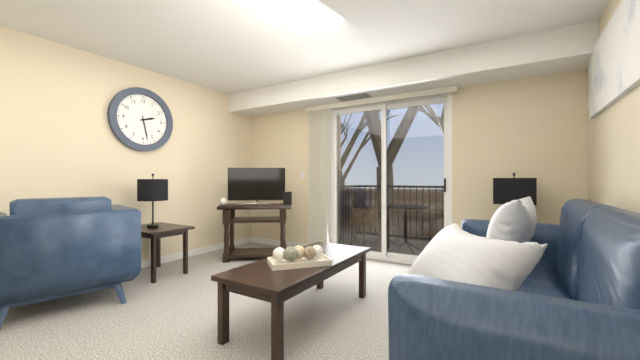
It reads 2:28
